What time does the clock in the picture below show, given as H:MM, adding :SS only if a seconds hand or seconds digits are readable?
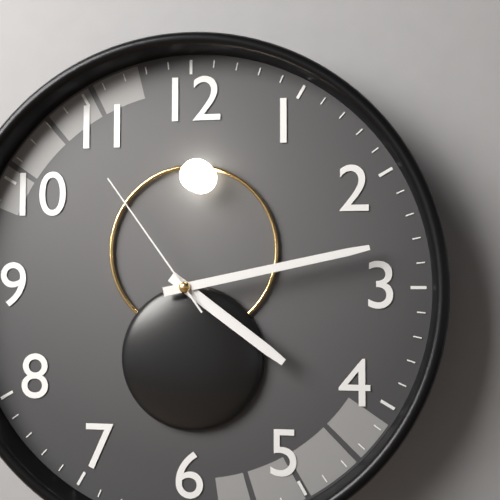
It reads 4:13:54
